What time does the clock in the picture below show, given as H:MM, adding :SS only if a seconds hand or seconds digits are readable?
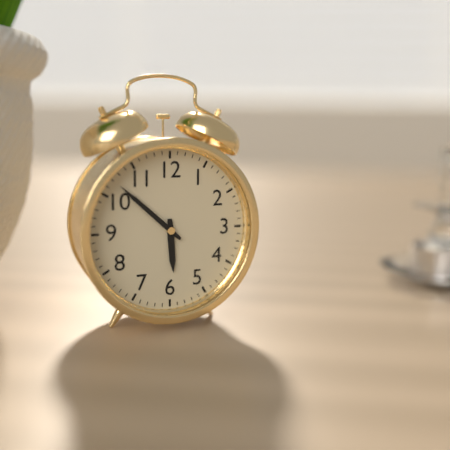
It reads 5:52
